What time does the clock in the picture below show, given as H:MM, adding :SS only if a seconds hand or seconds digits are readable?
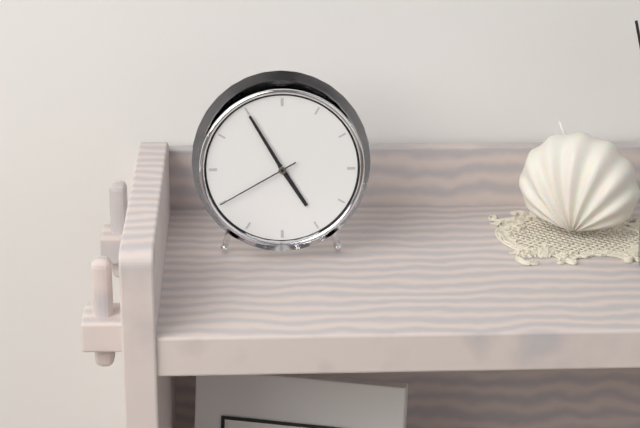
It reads 4:55:40
